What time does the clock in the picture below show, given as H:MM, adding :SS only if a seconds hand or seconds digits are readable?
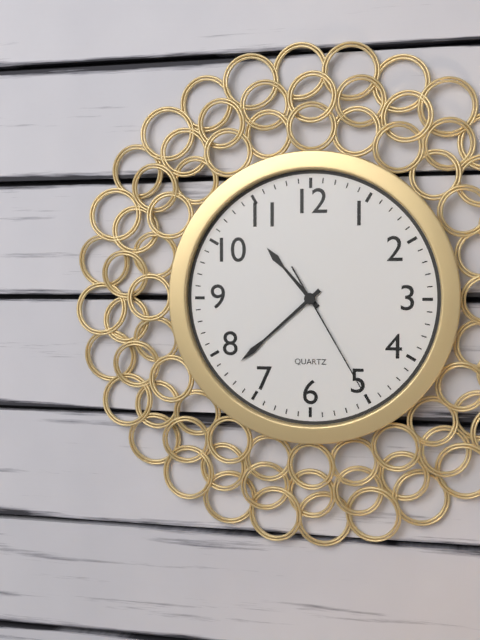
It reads 10:38:25
